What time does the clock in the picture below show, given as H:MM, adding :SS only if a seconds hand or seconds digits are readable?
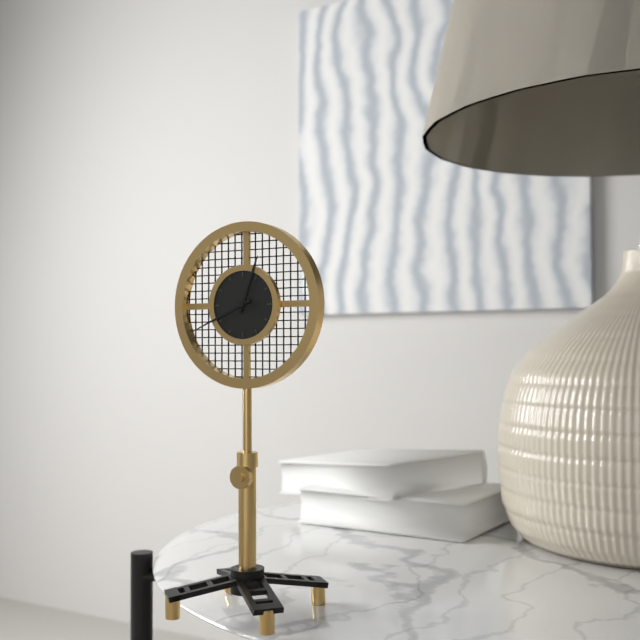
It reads 12:41
